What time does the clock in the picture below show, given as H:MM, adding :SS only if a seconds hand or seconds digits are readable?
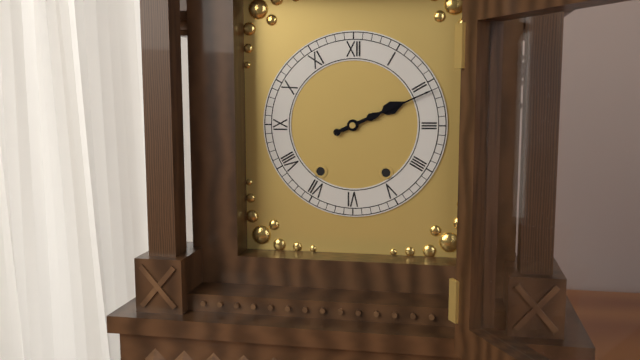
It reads 2:11
